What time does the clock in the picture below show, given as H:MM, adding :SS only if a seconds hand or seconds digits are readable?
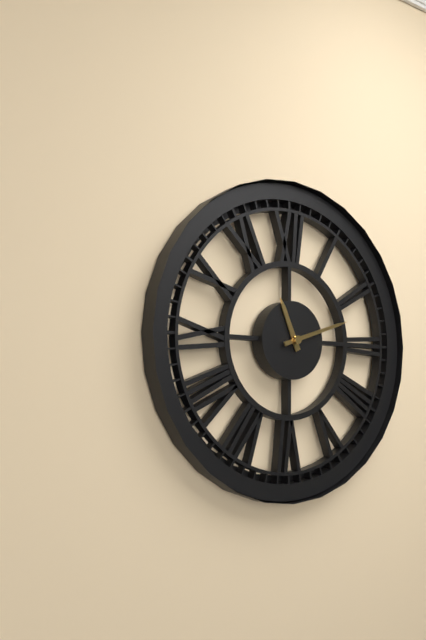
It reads 11:12
